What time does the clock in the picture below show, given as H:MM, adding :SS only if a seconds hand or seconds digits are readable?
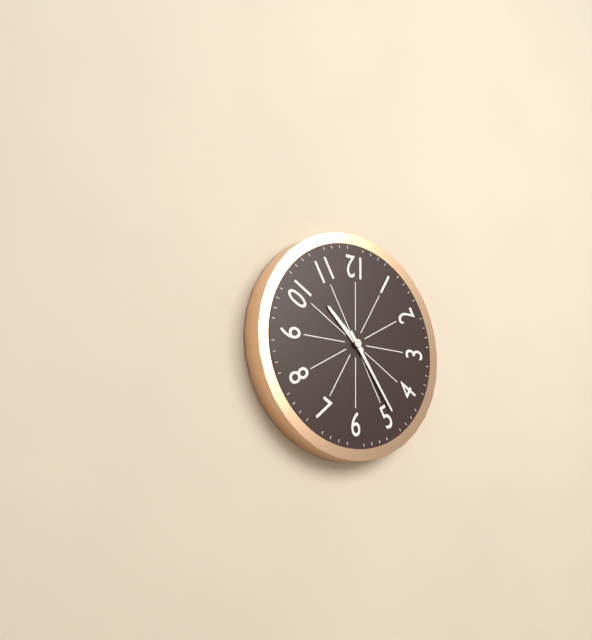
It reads 10:24
